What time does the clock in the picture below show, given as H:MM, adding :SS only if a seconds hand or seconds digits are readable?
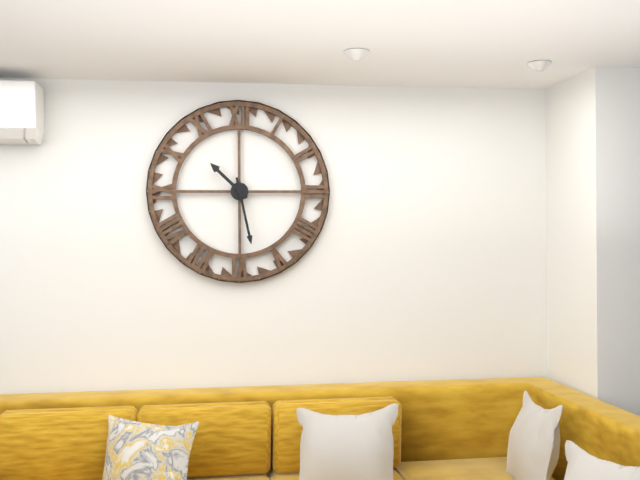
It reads 10:28
